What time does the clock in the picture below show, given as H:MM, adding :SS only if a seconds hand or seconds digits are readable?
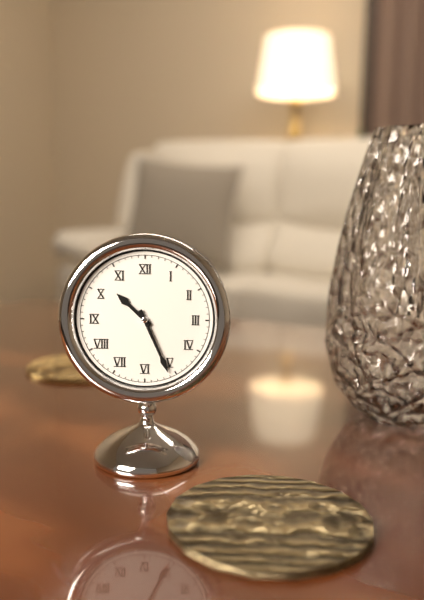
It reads 10:26
